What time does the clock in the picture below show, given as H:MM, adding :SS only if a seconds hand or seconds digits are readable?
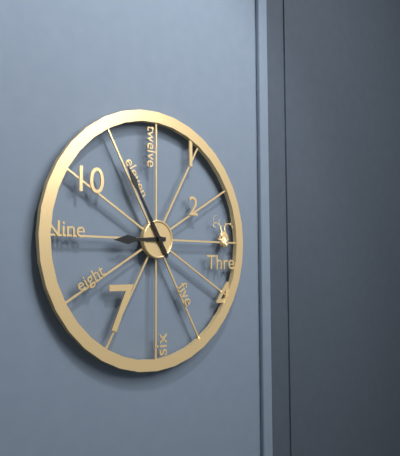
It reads 8:55
